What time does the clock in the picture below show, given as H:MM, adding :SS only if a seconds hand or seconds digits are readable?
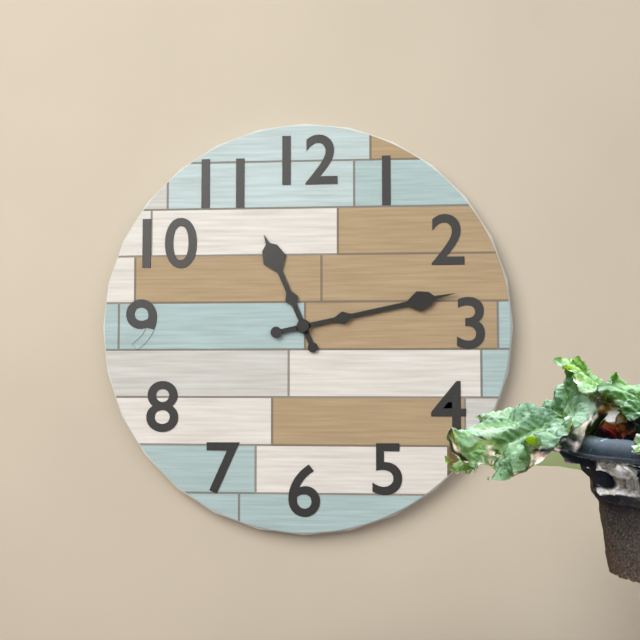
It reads 11:13
